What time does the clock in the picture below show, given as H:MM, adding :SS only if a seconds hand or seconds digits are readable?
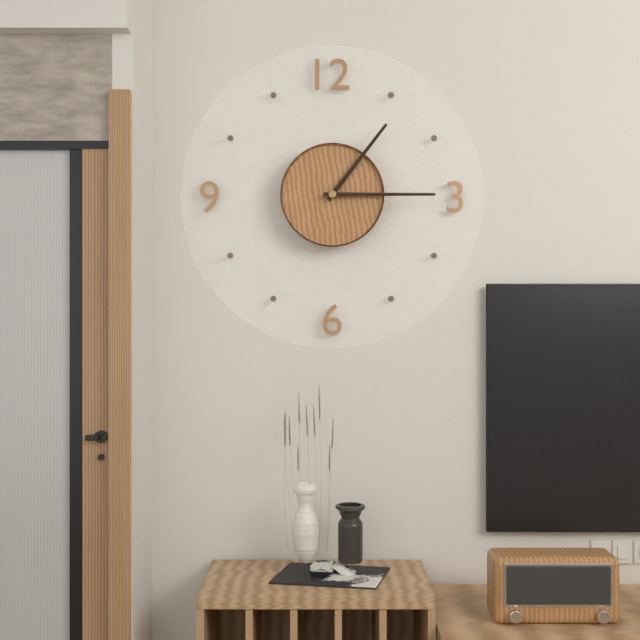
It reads 1:15
